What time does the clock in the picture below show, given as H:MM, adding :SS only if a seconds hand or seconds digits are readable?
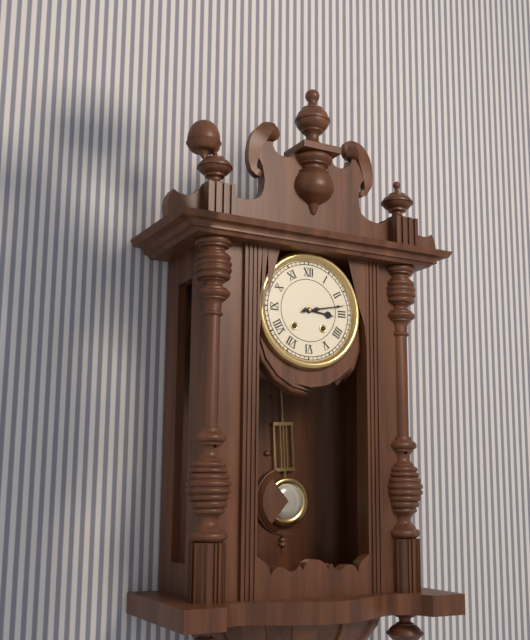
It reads 3:13
